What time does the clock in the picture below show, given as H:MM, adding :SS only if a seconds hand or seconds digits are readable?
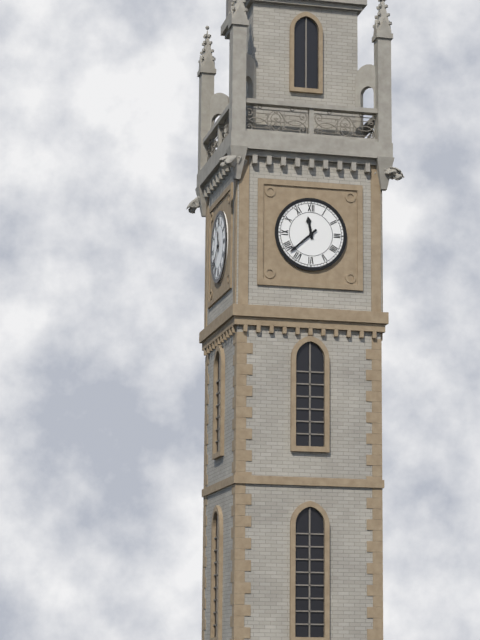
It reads 11:38
